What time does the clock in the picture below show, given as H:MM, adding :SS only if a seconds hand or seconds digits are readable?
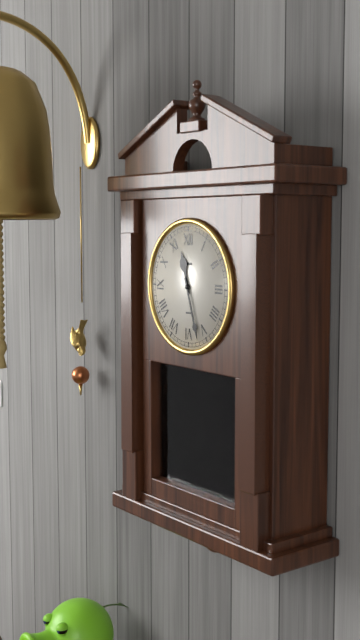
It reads 11:27
